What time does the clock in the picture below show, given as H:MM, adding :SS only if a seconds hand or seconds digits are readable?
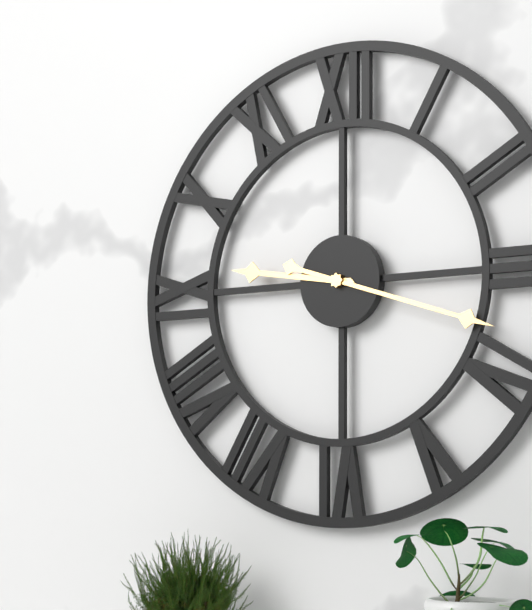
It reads 9:18
